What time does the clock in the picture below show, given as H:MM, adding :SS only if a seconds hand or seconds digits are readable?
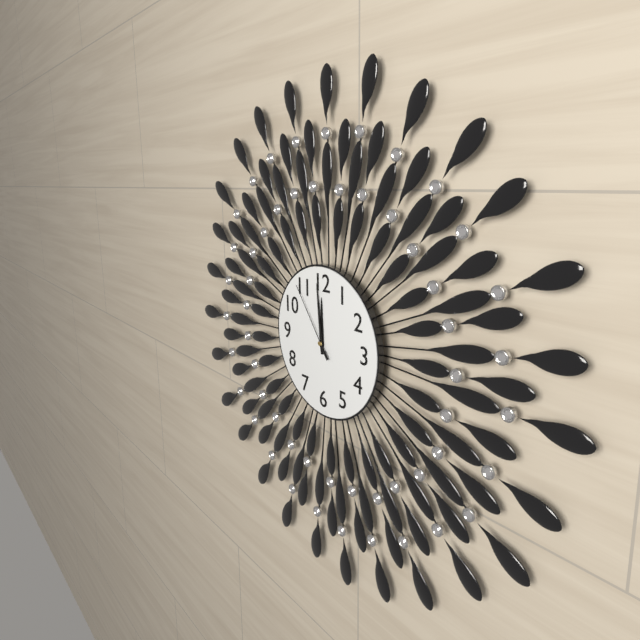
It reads 11:59:54
